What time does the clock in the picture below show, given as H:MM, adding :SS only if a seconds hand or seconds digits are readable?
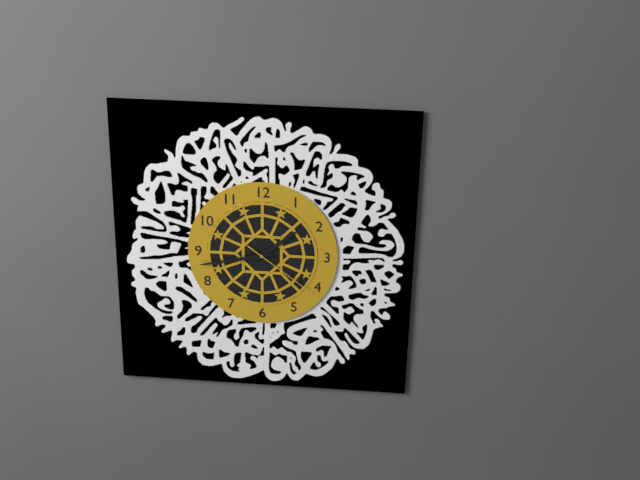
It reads 1:43:21
